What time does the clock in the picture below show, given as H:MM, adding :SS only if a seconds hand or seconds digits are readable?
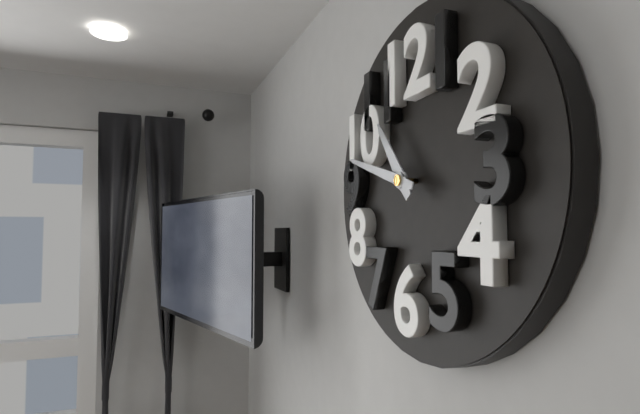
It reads 10:48
